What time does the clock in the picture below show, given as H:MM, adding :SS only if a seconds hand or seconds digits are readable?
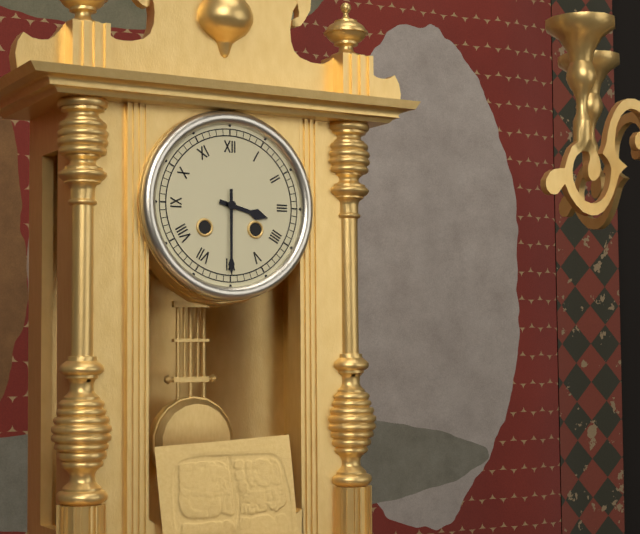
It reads 3:30
